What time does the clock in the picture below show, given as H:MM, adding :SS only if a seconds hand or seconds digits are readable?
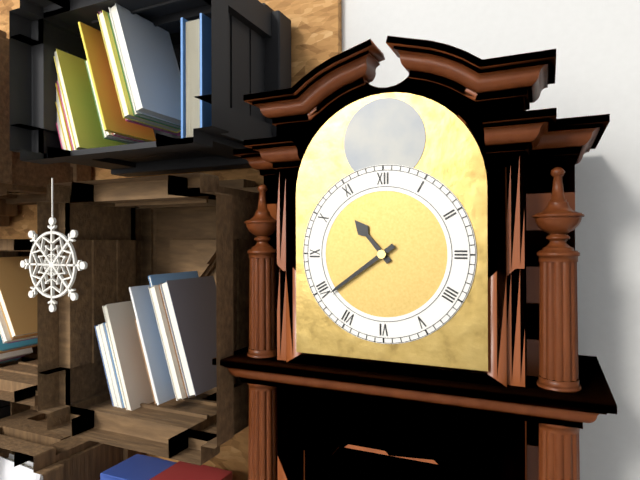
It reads 10:39
